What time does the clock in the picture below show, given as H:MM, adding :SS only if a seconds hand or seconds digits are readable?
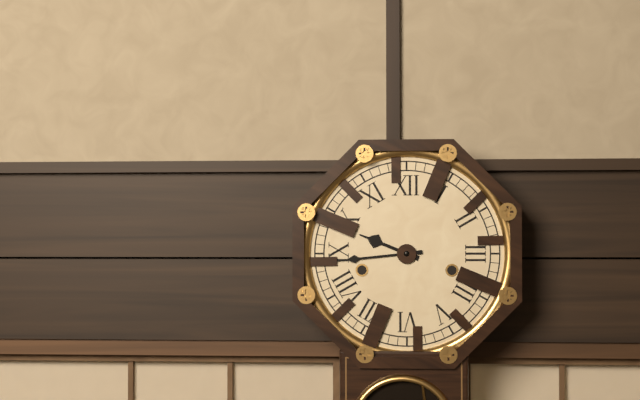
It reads 9:44
